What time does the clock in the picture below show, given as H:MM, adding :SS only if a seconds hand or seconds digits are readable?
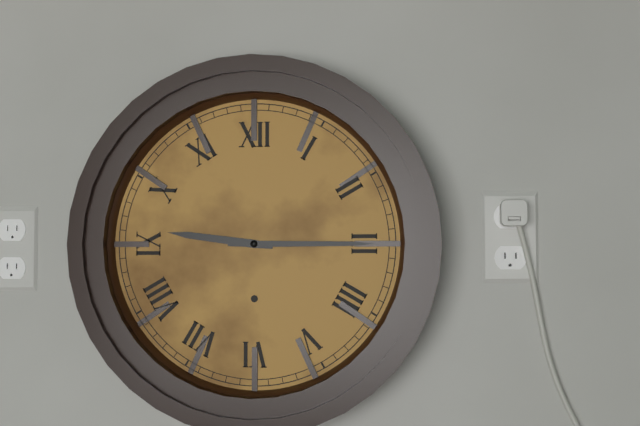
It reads 9:15
